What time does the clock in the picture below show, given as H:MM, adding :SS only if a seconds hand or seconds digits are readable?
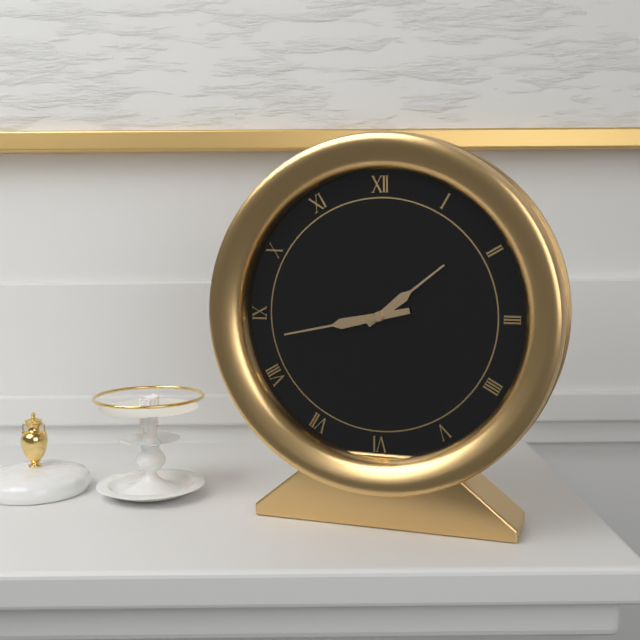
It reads 1:43
